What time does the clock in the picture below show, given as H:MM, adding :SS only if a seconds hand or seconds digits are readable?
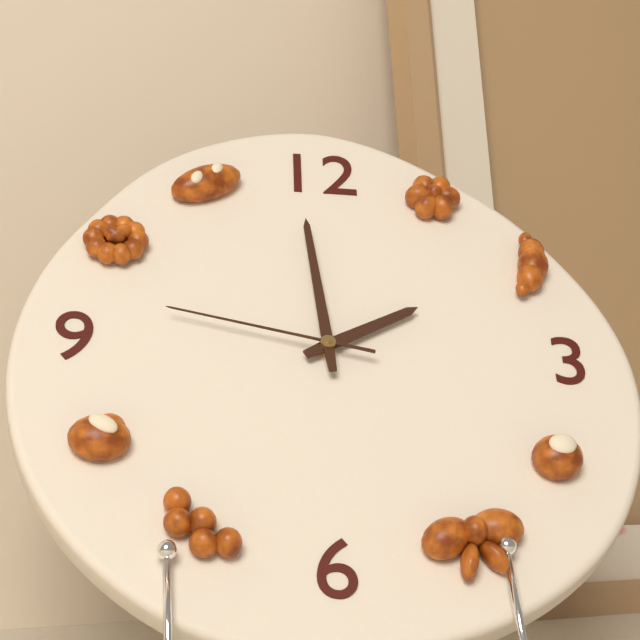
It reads 1:59:47
